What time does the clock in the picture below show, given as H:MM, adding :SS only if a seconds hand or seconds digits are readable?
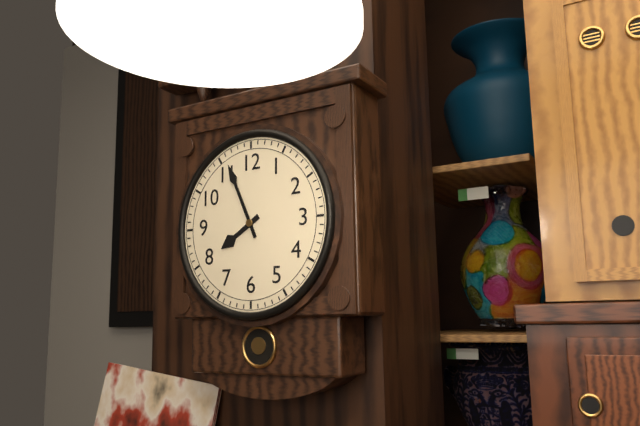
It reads 7:56
